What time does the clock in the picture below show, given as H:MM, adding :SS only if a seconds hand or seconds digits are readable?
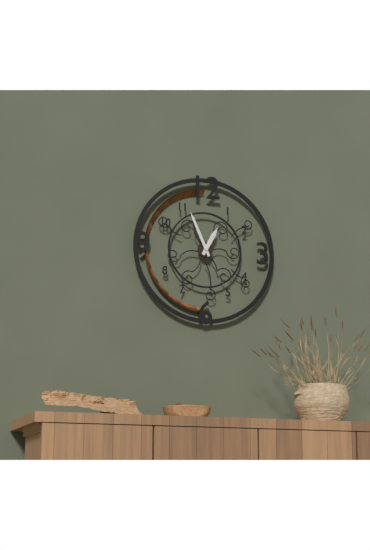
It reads 12:56
